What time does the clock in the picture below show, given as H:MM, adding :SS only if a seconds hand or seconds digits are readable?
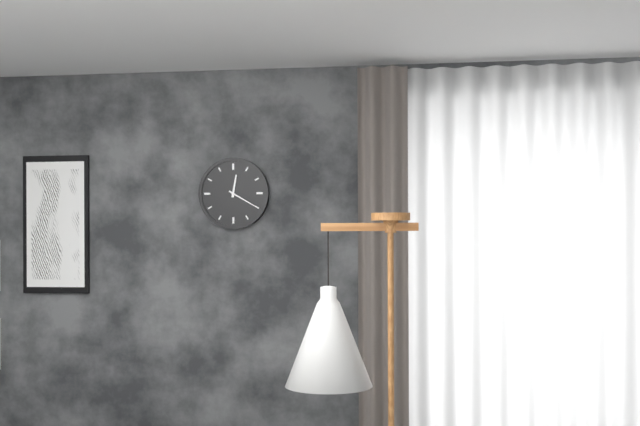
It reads 12:20
